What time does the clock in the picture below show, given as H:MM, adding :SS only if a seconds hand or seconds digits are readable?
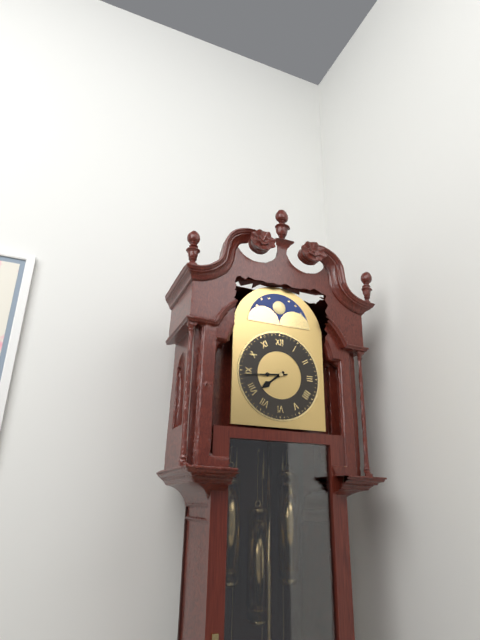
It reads 7:44
